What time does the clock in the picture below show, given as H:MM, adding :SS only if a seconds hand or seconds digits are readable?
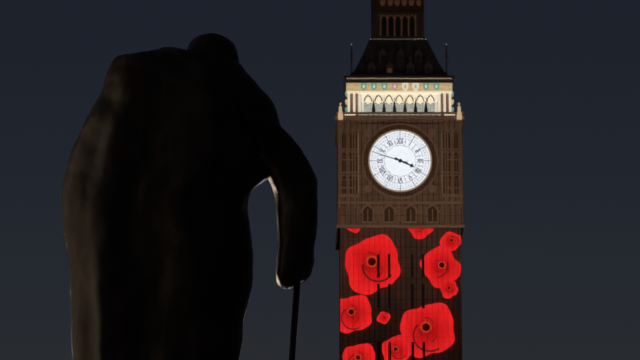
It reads 3:48
